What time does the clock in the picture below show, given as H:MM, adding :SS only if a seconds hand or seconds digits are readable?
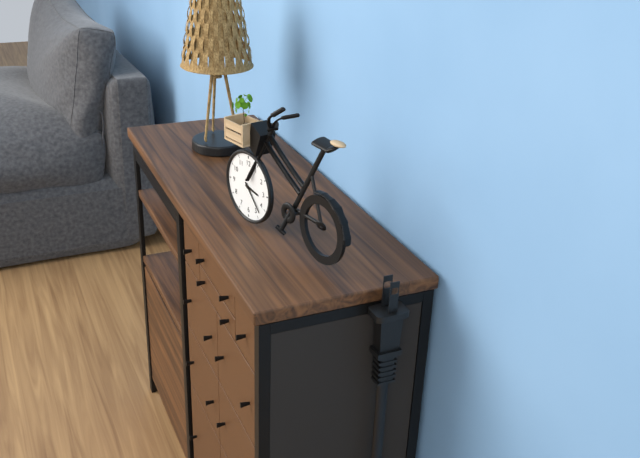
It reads 3:23
